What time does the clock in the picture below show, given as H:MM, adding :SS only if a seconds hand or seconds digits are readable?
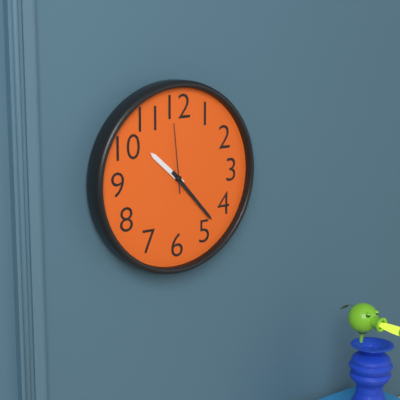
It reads 10:23:59
